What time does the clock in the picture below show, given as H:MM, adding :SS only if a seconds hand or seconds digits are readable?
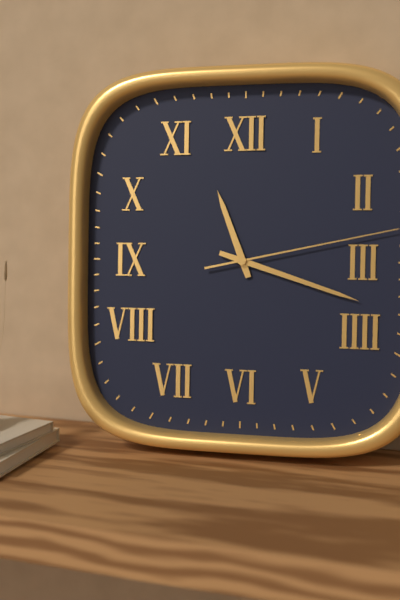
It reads 11:18:13
